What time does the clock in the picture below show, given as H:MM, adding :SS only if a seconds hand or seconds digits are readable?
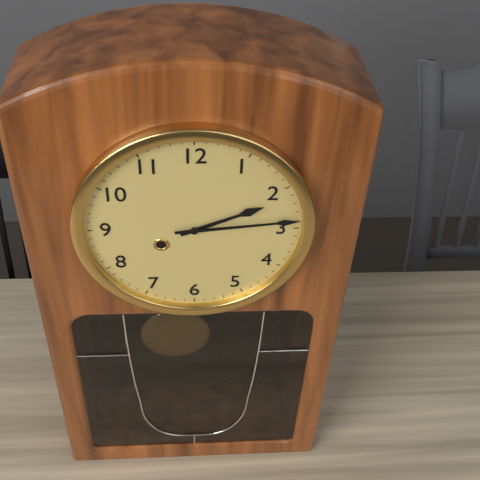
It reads 2:14
